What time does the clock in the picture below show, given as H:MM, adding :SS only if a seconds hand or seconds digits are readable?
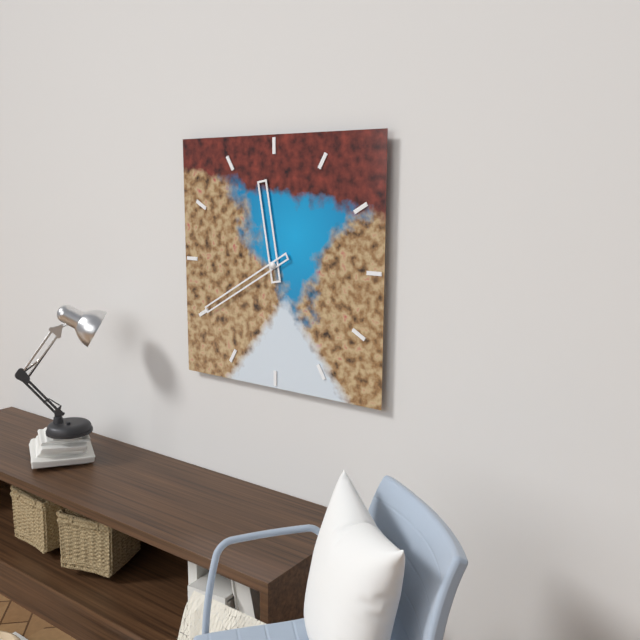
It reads 11:40
